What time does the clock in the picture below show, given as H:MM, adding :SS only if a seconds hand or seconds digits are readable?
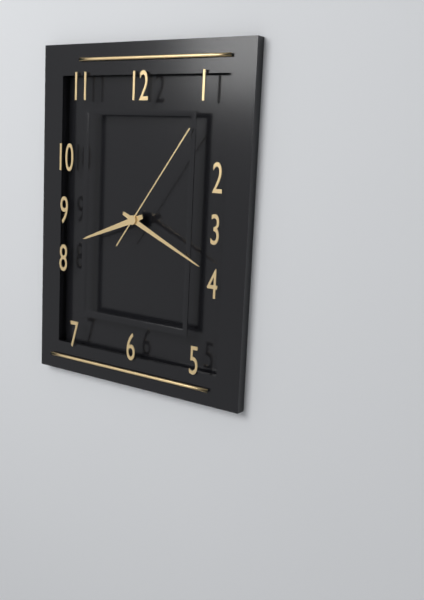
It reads 8:19:06
